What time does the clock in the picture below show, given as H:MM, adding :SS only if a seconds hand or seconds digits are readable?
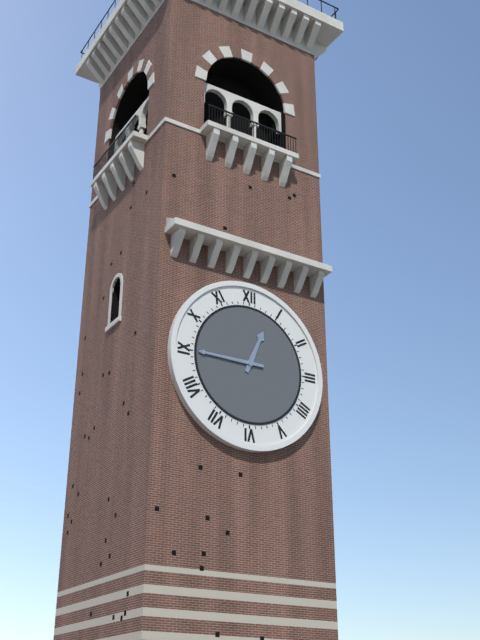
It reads 12:45
